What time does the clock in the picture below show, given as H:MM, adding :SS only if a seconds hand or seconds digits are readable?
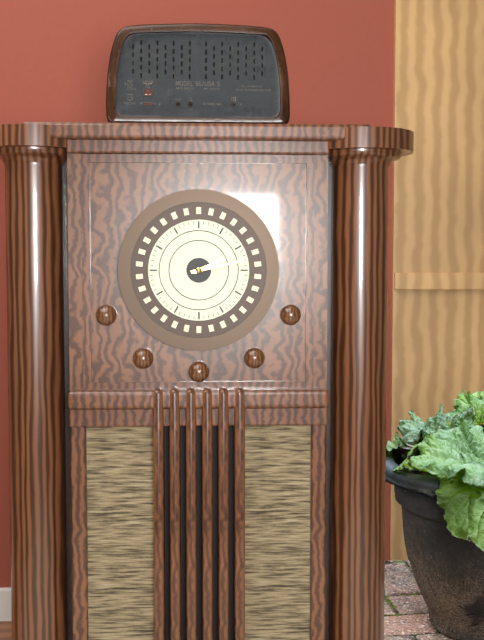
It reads 2:13
